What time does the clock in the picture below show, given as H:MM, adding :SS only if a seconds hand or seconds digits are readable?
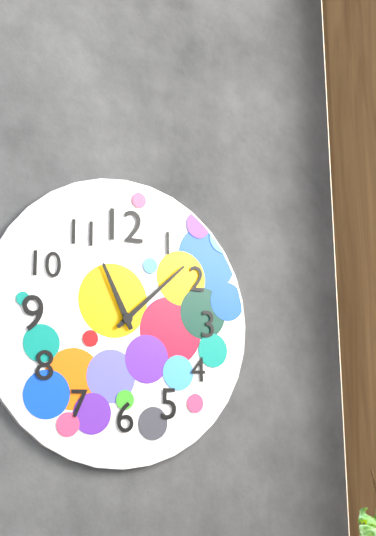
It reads 11:08
